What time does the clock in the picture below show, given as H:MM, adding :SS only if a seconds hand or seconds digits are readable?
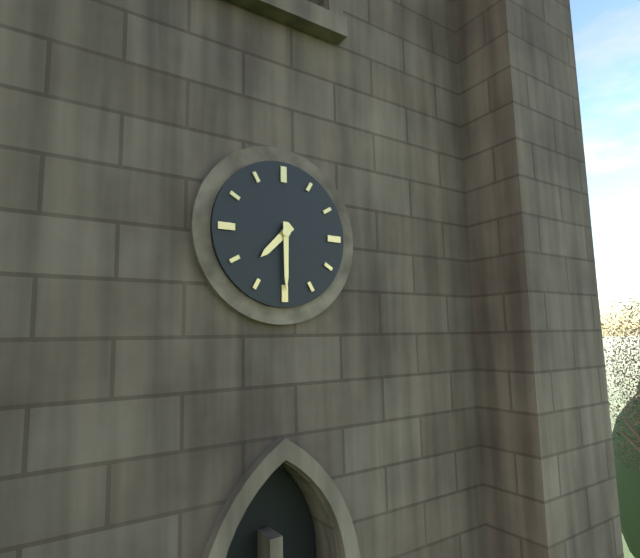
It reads 7:30
